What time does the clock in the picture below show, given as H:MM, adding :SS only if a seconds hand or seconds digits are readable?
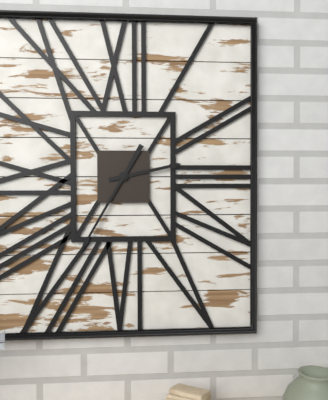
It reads 2:35
